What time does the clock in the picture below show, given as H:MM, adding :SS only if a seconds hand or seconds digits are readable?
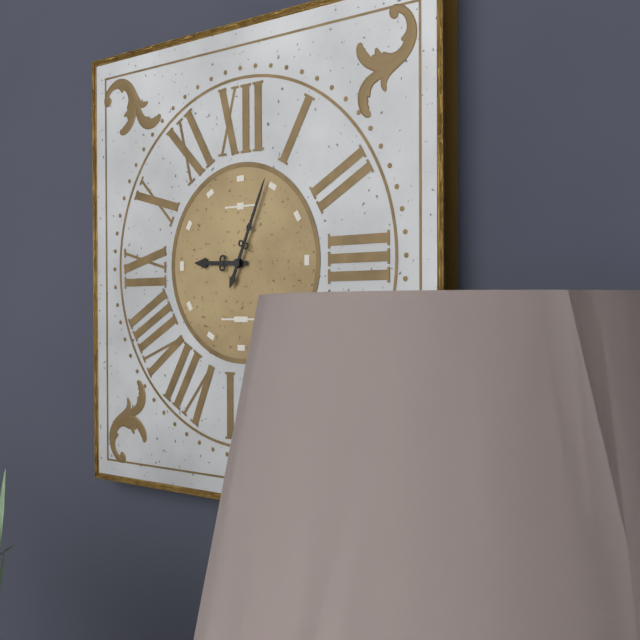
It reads 9:04
